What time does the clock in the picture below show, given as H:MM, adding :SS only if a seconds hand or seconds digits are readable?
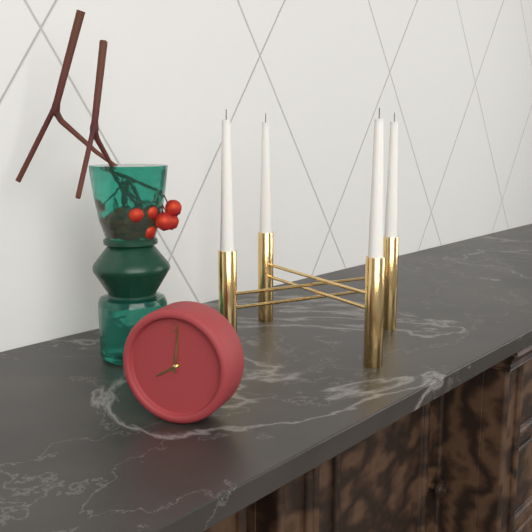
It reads 8:01
